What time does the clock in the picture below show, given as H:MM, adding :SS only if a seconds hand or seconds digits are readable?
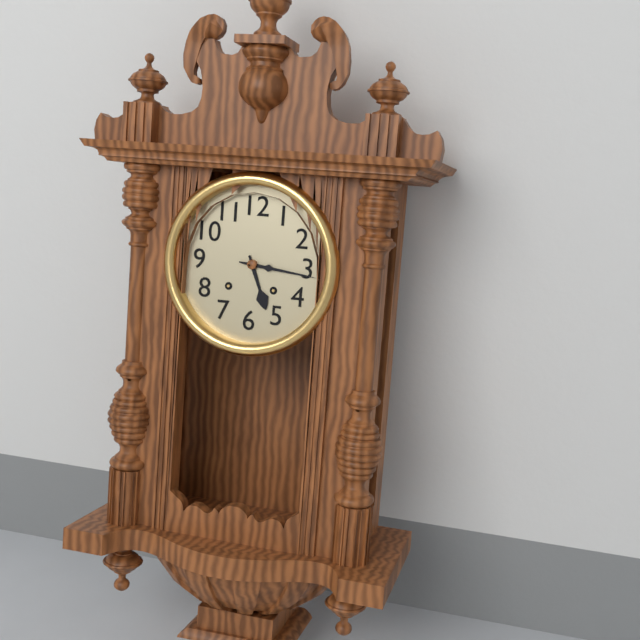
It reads 5:16
